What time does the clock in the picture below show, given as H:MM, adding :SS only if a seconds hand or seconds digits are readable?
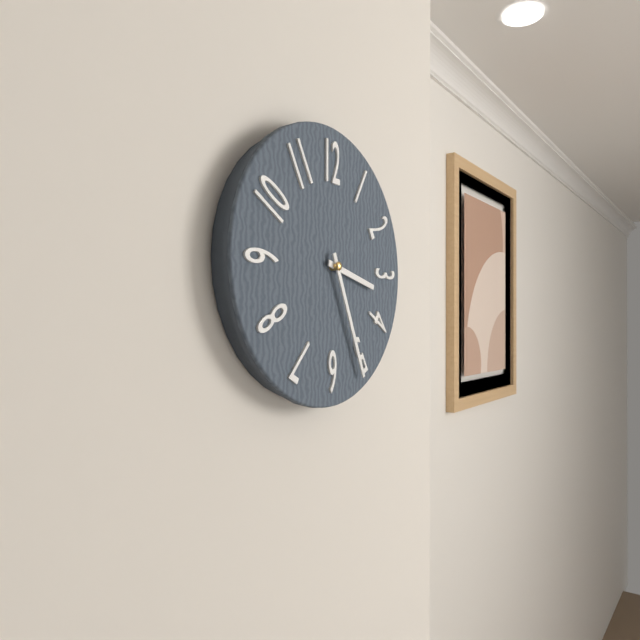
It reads 3:26
